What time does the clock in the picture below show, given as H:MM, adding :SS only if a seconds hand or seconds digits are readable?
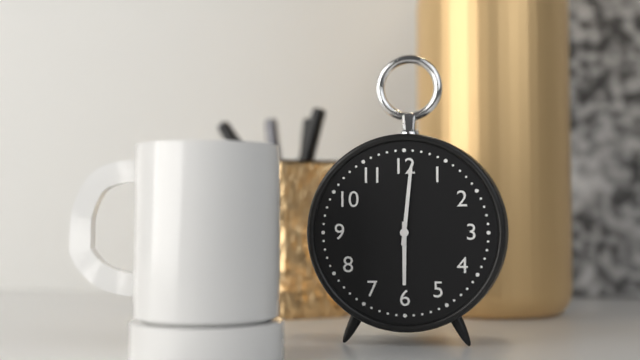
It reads 6:01
